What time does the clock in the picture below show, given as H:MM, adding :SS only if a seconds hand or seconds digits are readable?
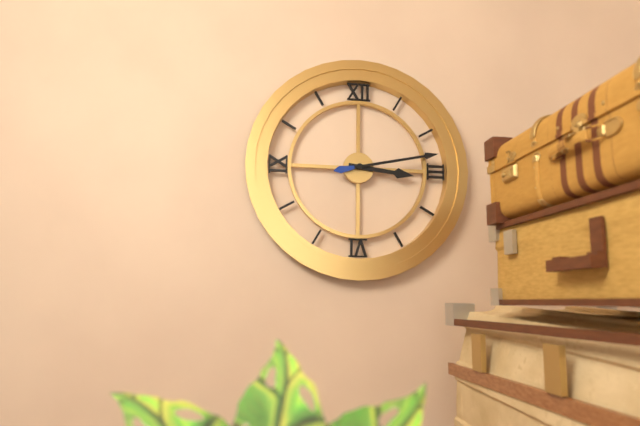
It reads 3:13
